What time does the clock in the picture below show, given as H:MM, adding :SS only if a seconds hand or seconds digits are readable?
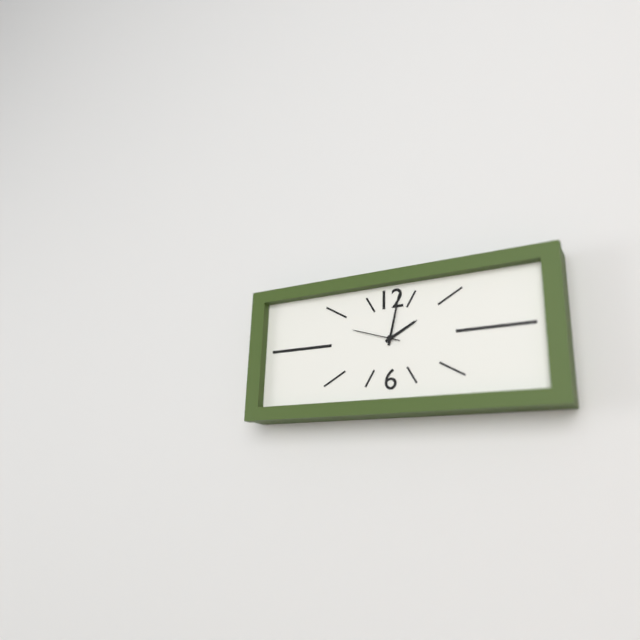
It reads 2:02:48
